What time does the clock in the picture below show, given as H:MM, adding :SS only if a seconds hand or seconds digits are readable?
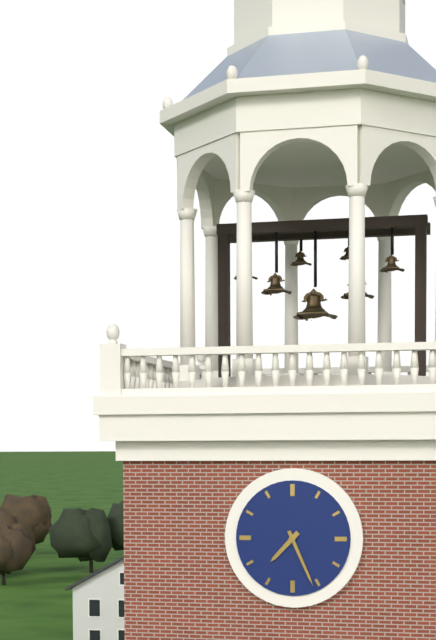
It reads 7:26
